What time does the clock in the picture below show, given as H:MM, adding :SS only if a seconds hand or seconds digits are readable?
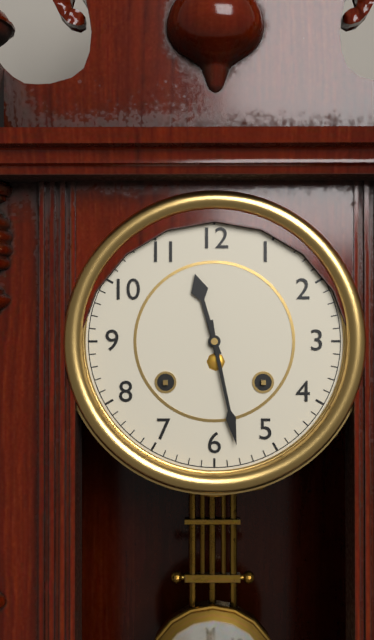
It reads 11:28
